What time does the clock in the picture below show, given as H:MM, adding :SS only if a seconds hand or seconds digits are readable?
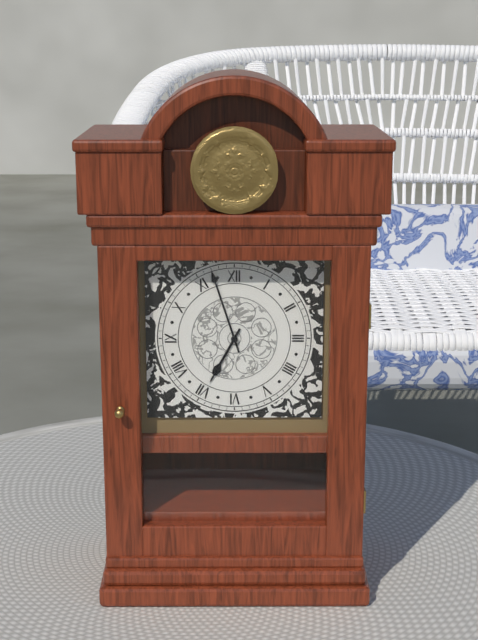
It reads 6:57
